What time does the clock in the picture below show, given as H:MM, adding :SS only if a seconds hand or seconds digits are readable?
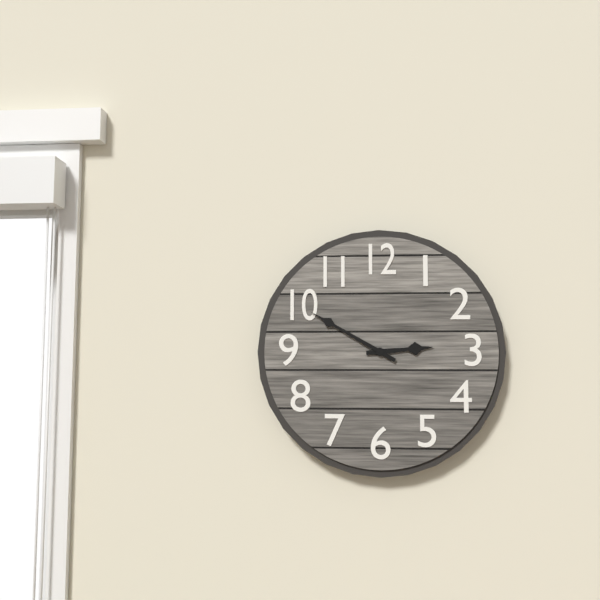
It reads 2:50
